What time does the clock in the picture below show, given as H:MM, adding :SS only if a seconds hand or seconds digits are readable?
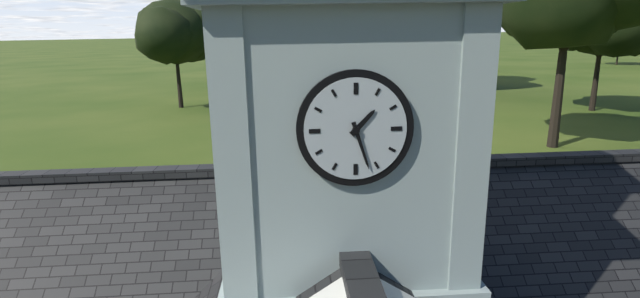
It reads 1:27
